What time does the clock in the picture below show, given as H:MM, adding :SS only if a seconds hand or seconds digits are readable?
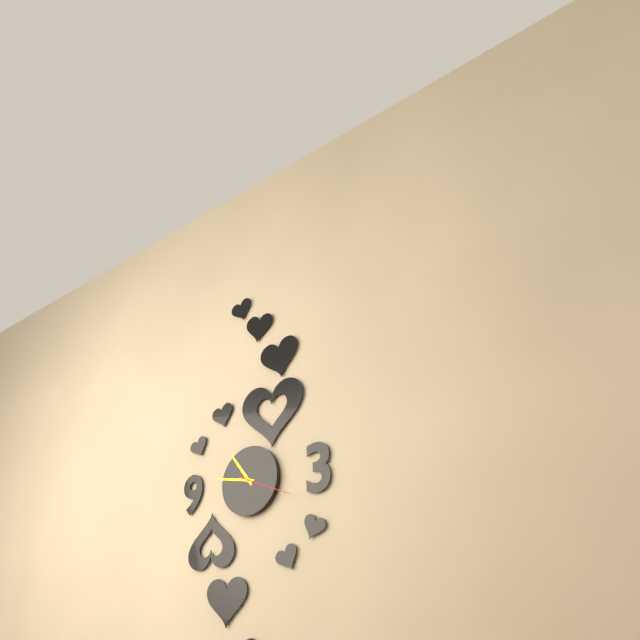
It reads 10:47
